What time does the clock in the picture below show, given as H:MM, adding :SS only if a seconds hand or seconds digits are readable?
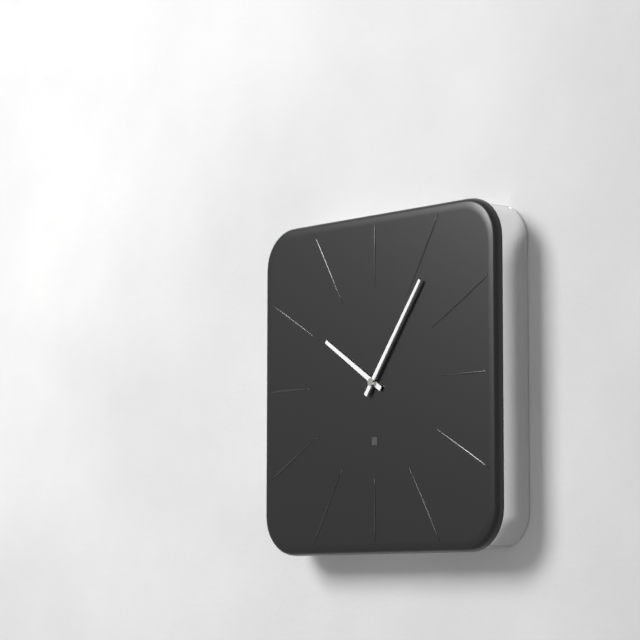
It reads 10:06
